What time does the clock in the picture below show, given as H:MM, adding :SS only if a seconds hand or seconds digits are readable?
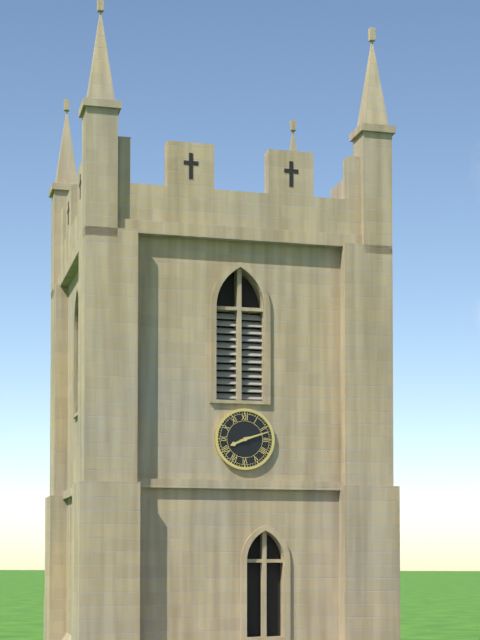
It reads 8:12
